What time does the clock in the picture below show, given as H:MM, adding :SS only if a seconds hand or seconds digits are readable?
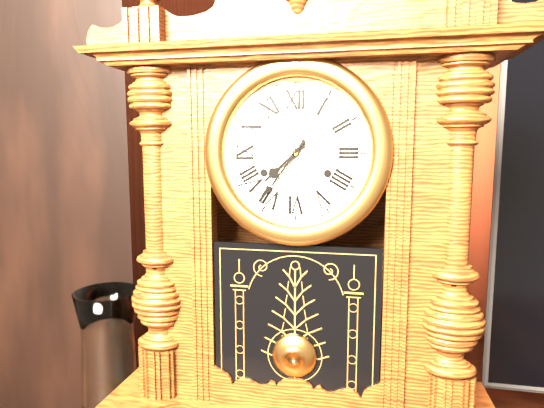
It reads 7:36
